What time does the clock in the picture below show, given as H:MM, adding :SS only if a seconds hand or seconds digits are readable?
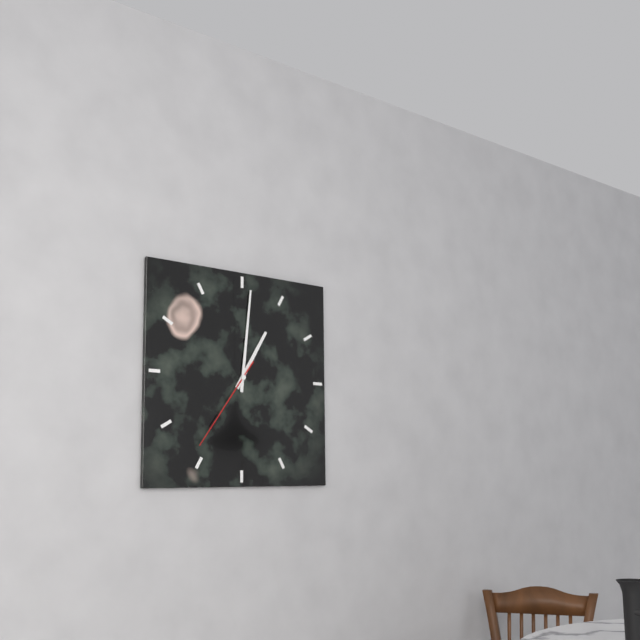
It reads 1:01:36
